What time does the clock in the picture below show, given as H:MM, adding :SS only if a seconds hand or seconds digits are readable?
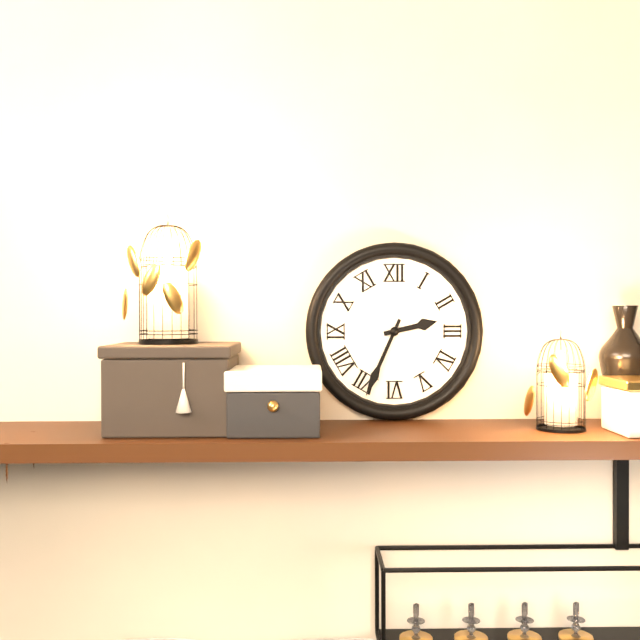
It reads 2:34
